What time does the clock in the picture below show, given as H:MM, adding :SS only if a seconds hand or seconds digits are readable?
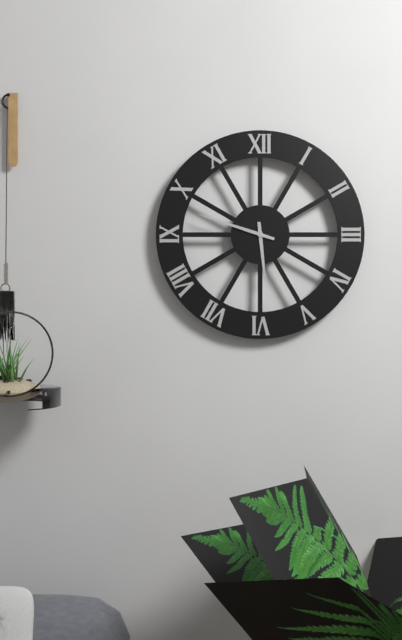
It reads 5:48
